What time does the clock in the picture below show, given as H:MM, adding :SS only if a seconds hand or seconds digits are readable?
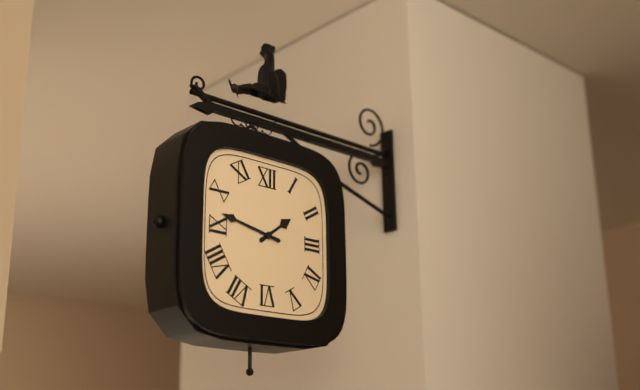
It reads 1:47
